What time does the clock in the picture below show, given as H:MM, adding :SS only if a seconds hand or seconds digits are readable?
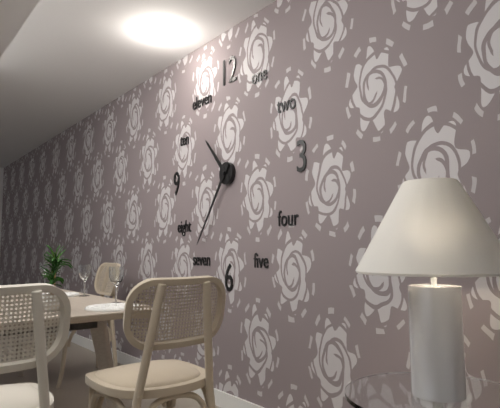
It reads 10:36
